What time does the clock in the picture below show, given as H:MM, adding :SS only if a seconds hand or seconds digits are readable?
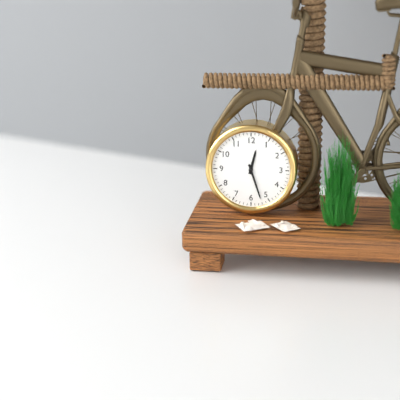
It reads 12:27
